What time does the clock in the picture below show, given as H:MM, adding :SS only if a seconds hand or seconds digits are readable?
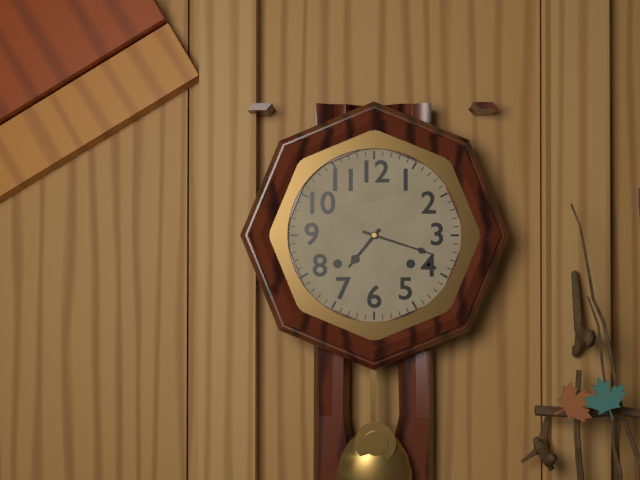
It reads 7:18
